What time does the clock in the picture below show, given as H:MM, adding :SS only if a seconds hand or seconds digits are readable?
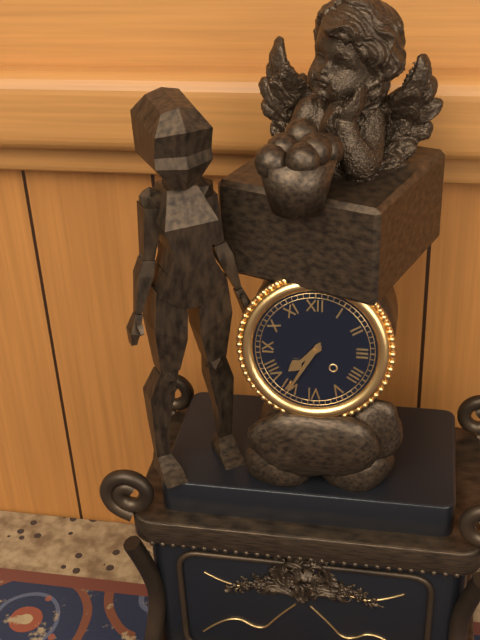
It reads 7:35
